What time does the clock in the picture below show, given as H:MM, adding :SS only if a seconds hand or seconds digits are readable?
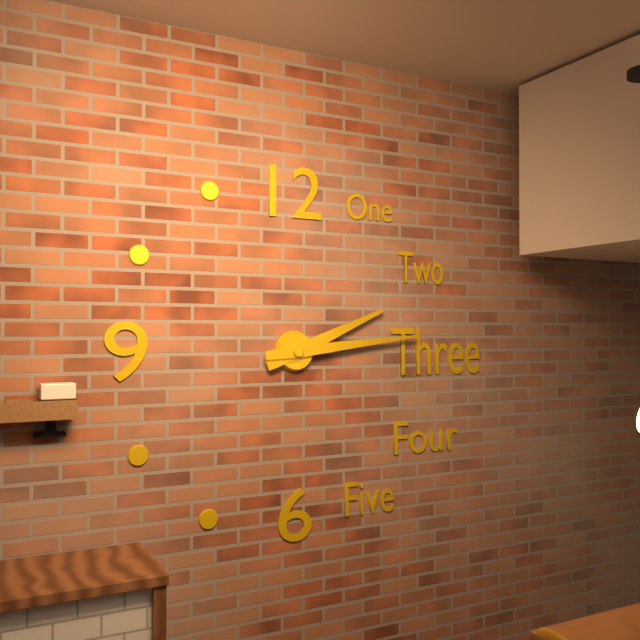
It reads 2:14
